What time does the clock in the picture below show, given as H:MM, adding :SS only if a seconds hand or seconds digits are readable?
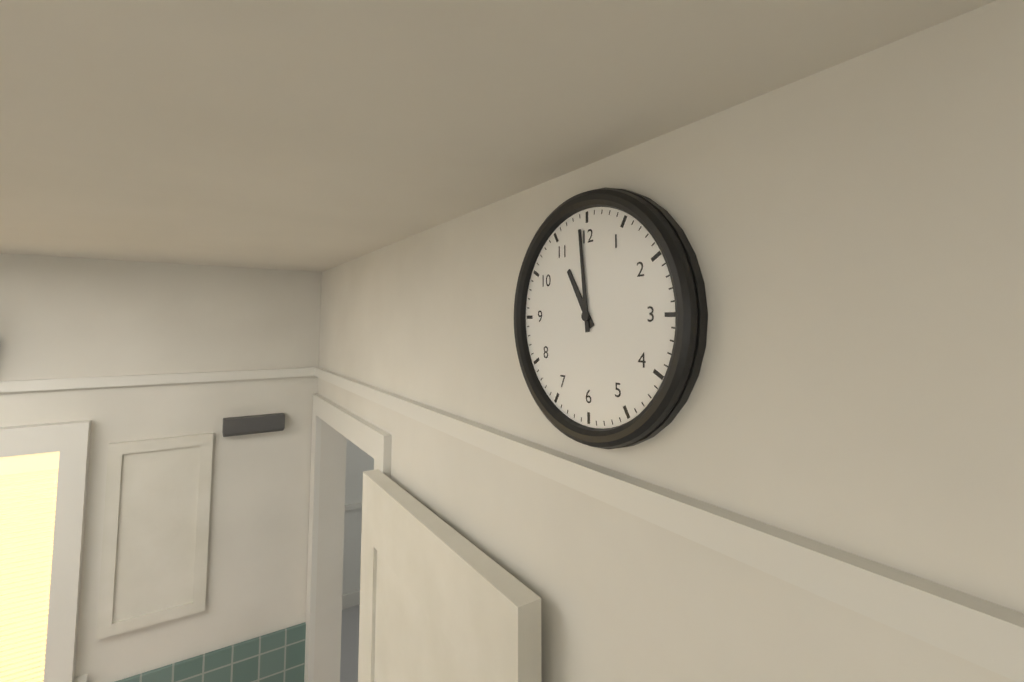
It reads 10:59
